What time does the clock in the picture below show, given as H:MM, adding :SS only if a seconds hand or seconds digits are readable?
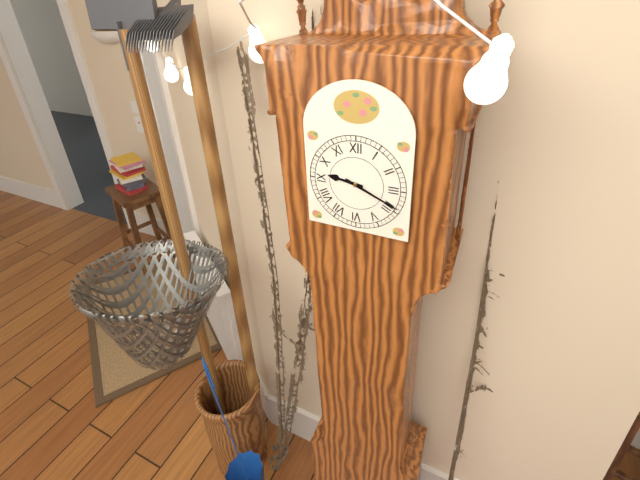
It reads 9:19
